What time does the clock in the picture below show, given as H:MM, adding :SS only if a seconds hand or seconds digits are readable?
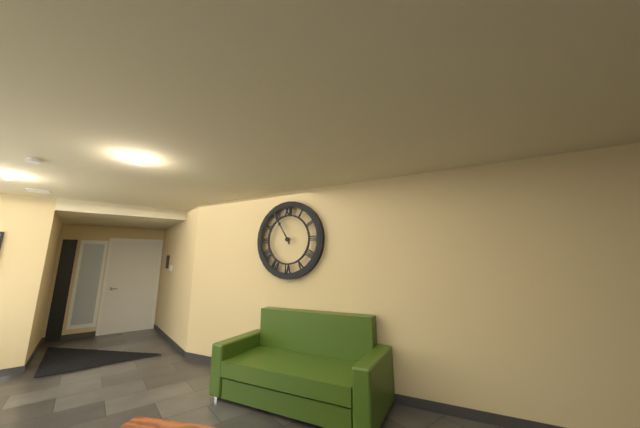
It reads 10:55
